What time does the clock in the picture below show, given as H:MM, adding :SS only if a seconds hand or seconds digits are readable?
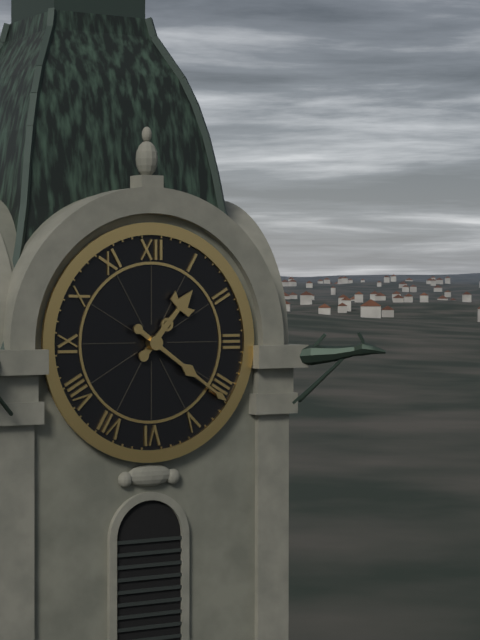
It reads 1:21
